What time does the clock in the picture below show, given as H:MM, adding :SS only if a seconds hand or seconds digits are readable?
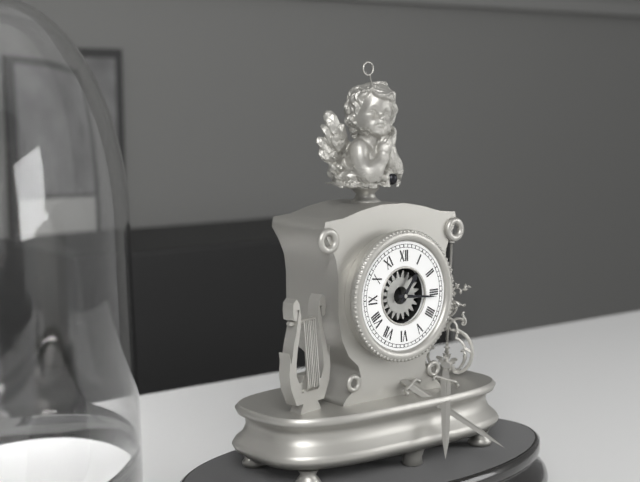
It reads 1:16
